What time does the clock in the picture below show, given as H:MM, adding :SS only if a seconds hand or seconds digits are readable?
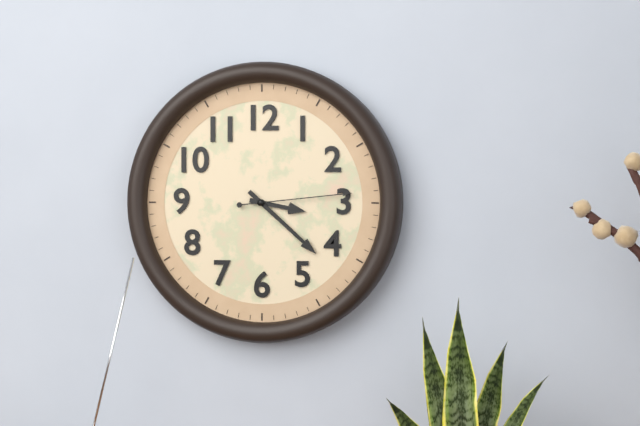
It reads 3:22:14
